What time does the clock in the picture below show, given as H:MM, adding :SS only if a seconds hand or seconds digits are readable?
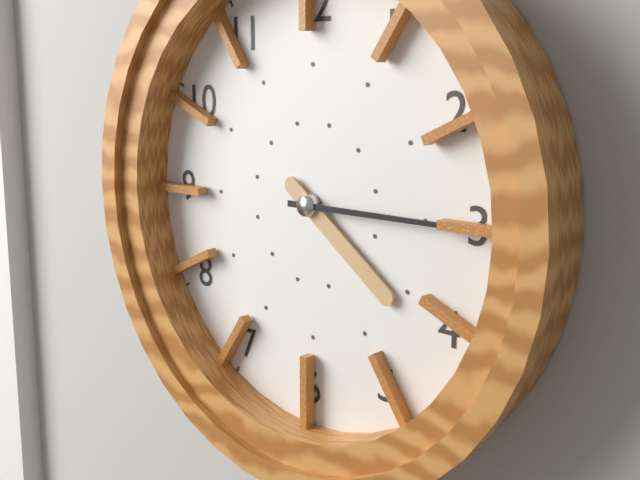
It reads 4:15
